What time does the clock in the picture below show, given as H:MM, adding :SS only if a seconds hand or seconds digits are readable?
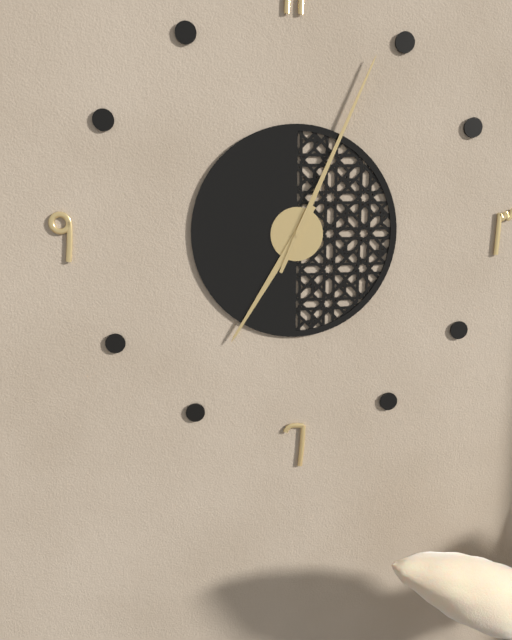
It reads 7:04
